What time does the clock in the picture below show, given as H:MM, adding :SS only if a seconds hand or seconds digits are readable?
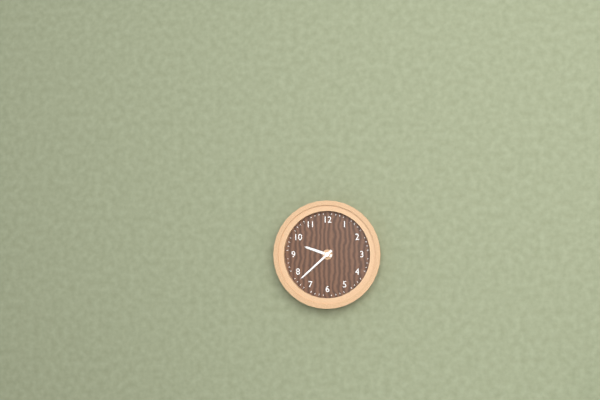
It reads 9:38
